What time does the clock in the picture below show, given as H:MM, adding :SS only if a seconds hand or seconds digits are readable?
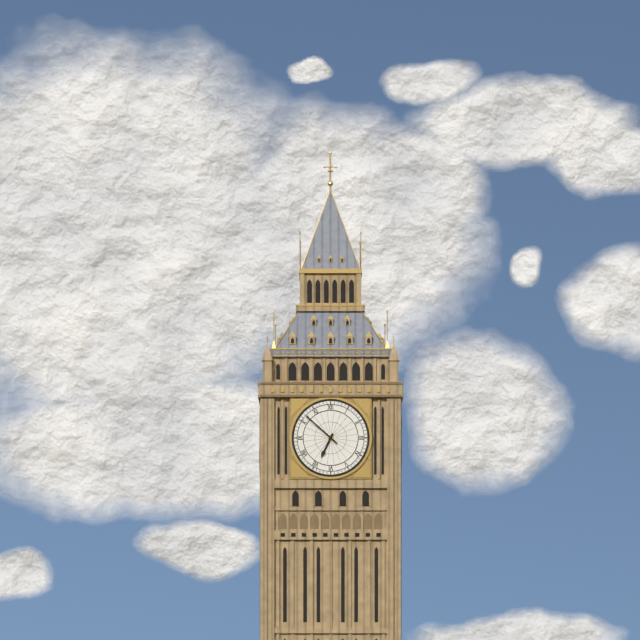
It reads 6:52
